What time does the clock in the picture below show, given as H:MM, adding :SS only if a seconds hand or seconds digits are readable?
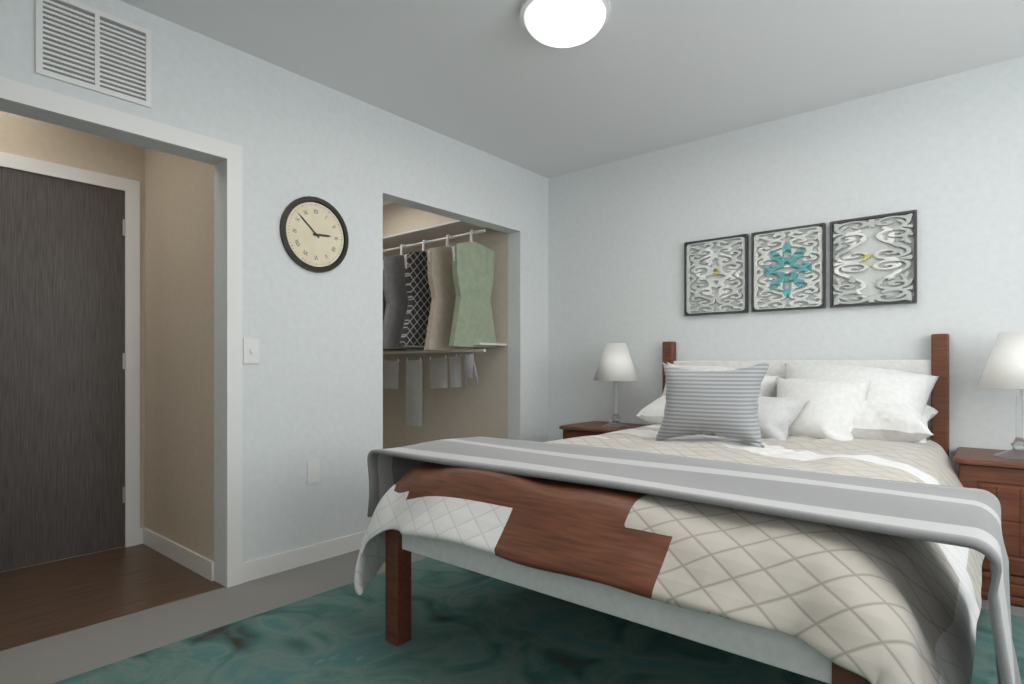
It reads 2:52
